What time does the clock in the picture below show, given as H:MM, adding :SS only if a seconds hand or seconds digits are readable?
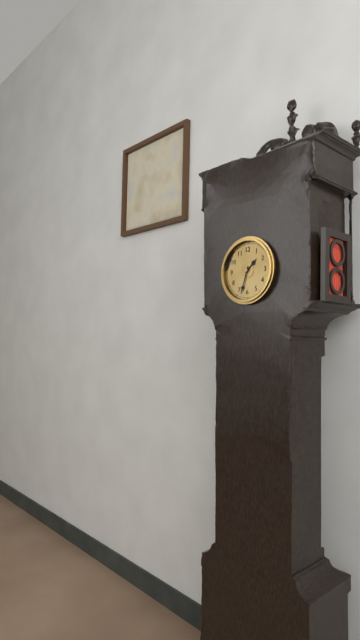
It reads 1:33
